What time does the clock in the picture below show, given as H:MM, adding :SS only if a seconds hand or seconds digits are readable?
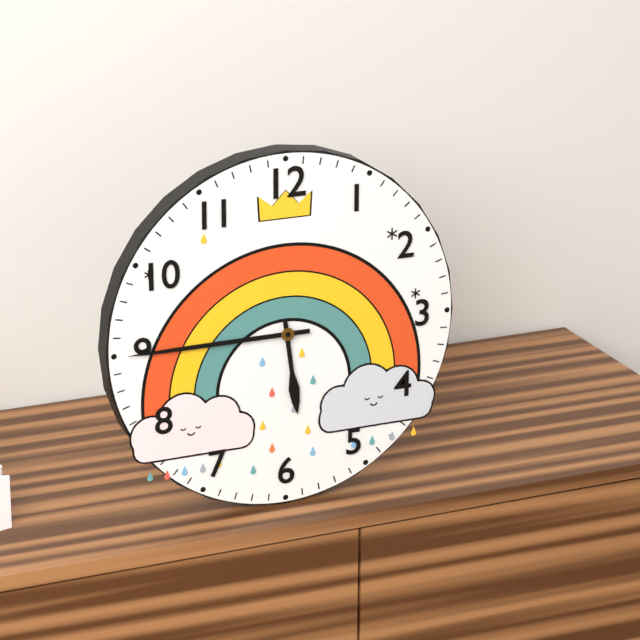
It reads 5:45
